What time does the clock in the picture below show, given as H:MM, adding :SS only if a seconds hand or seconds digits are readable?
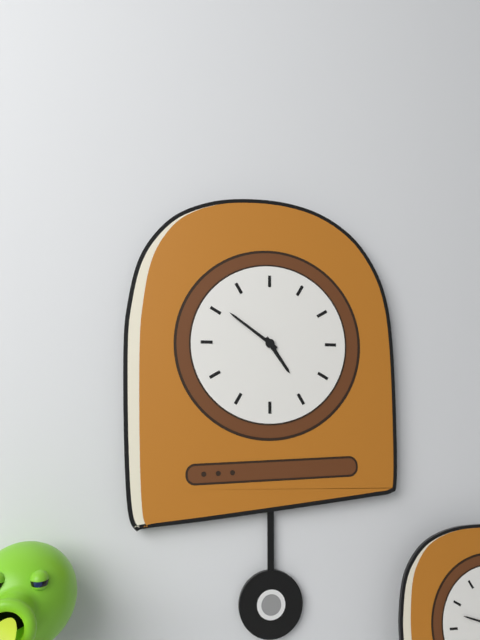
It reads 4:51
